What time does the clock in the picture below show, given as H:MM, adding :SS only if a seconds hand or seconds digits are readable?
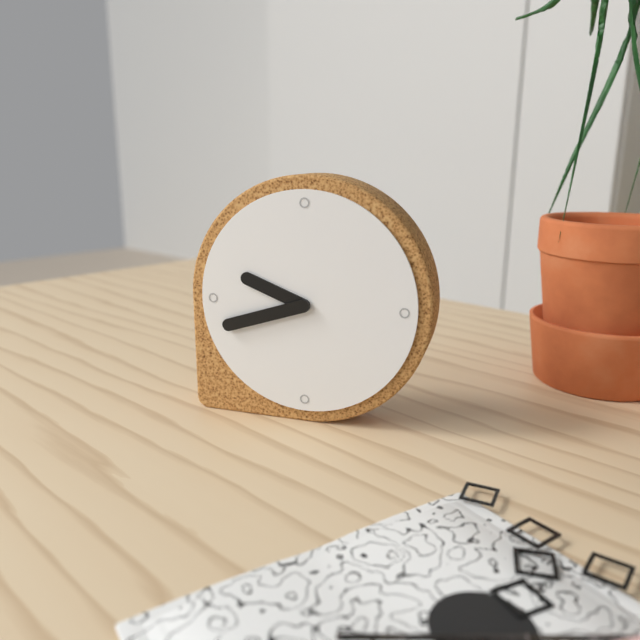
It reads 9:42
